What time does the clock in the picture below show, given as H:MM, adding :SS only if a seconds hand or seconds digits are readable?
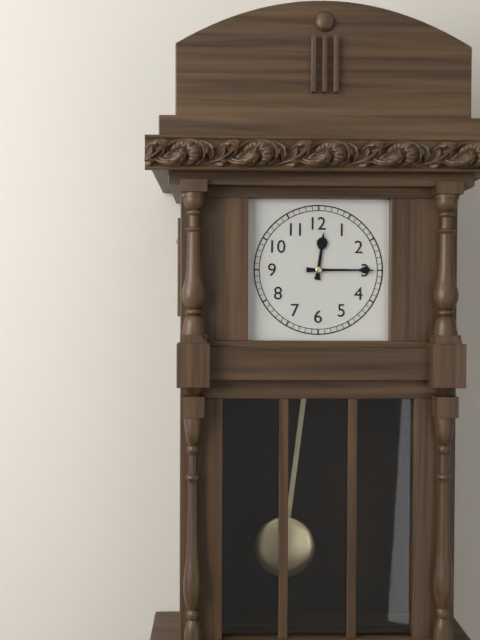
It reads 12:15
